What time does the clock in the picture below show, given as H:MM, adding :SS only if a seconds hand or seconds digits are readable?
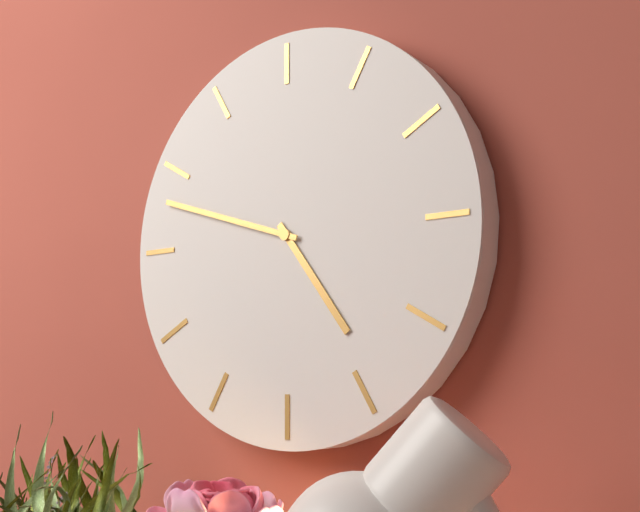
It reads 4:48
